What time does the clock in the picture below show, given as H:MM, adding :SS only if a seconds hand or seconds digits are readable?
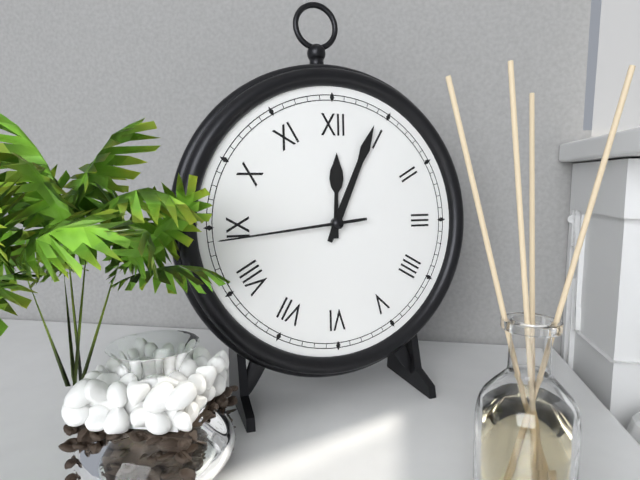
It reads 12:04:44
